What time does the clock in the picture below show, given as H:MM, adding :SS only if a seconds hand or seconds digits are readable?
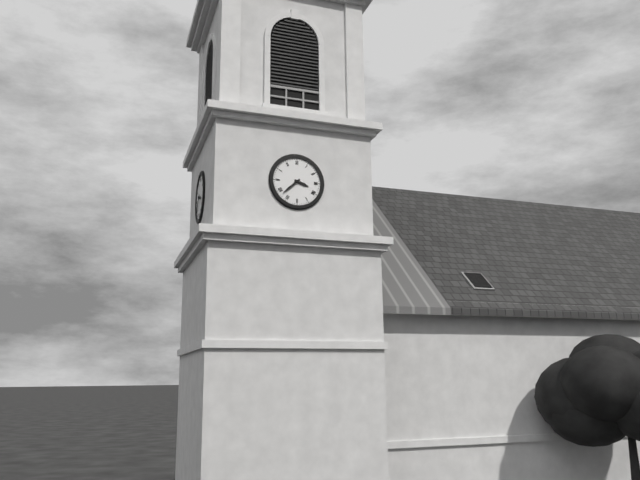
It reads 3:38
